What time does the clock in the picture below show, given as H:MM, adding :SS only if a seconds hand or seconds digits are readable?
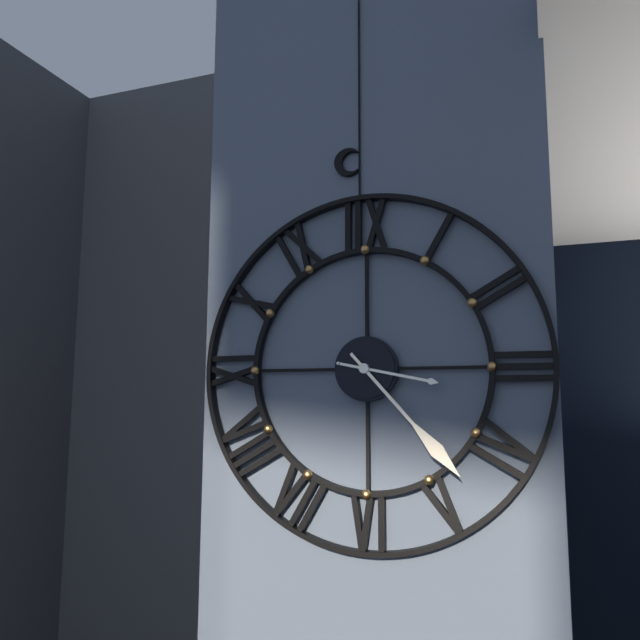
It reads 3:23
